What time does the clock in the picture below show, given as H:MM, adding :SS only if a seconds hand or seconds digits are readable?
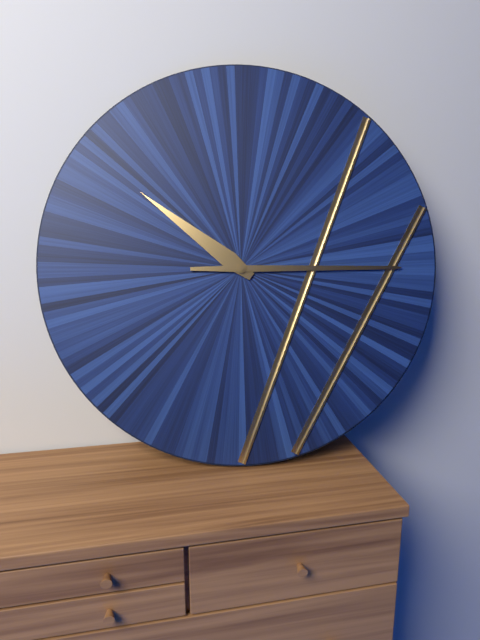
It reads 10:15
